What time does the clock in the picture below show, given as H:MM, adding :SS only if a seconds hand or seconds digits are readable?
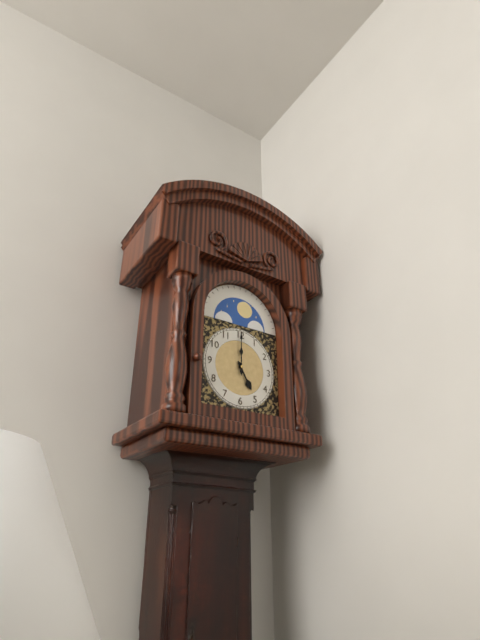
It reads 5:00
